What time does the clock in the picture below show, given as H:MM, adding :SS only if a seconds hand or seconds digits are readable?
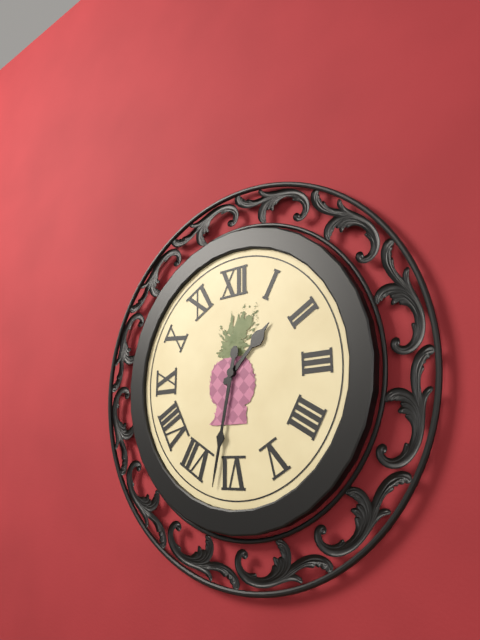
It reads 1:32
